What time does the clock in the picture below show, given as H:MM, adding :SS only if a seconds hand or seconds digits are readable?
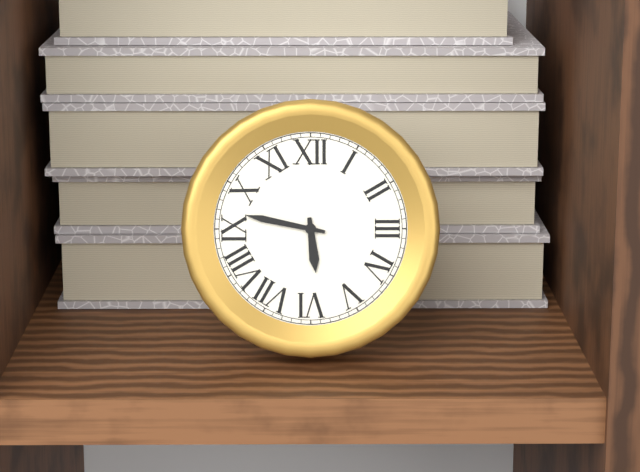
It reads 5:47
